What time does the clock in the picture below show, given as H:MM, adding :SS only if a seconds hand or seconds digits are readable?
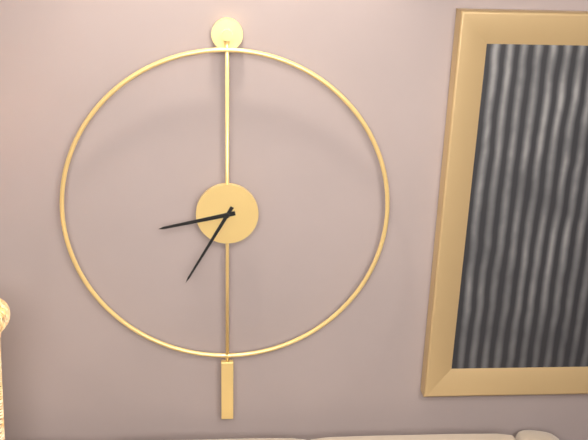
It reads 8:35
